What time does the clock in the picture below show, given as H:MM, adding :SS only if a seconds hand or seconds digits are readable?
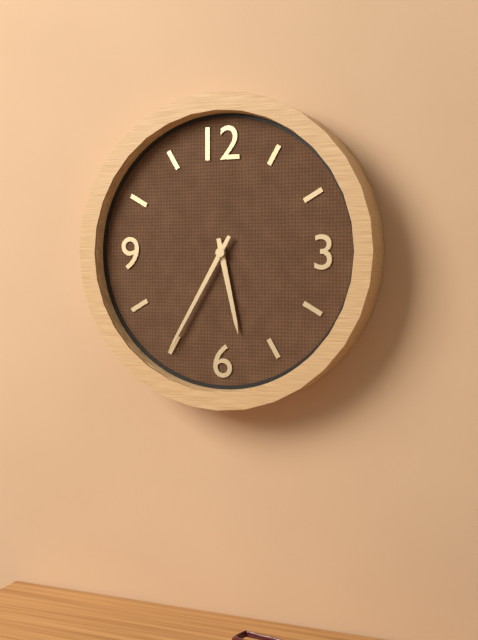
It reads 5:35
